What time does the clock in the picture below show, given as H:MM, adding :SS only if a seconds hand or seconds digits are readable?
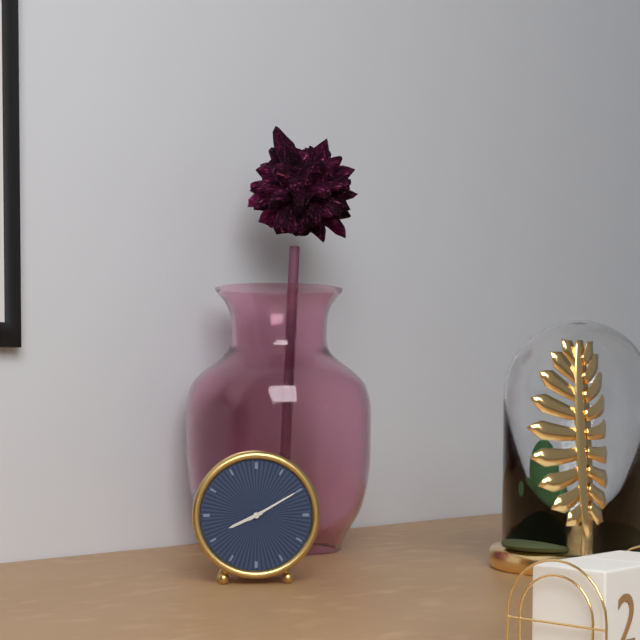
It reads 8:10
